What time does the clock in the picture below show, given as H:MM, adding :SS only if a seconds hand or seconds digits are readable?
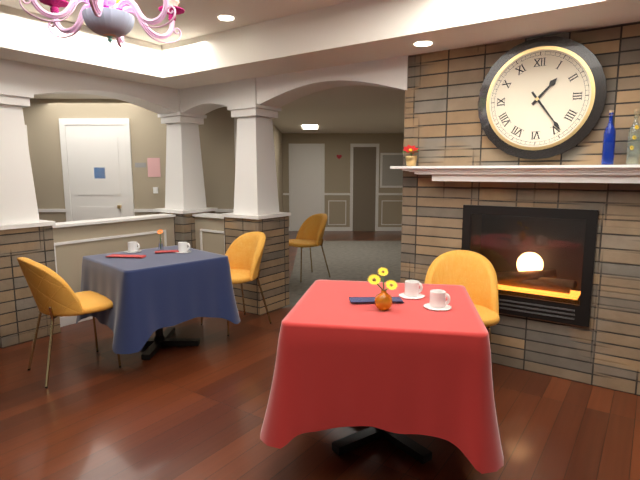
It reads 1:24
